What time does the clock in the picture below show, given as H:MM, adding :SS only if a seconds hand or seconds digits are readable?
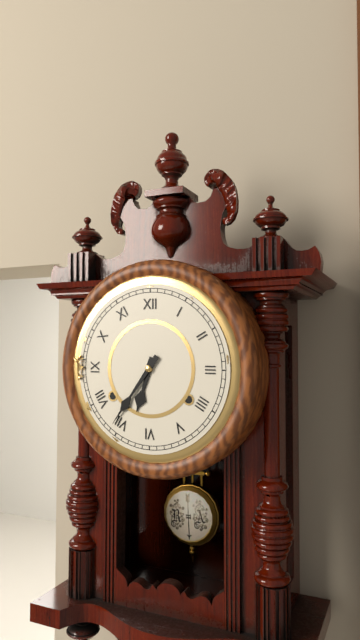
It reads 6:36
